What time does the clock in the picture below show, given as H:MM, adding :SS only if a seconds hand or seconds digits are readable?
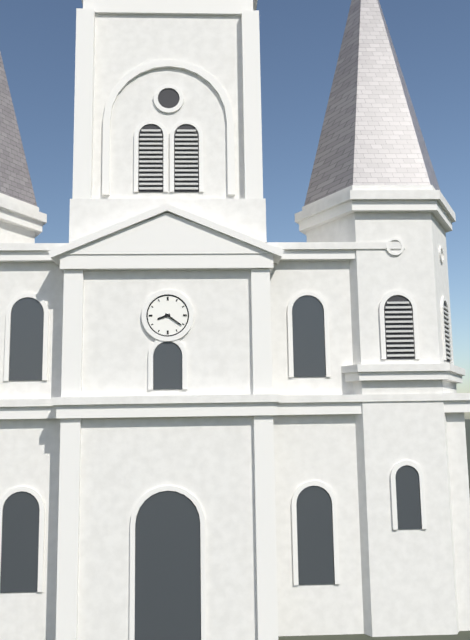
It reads 8:21
